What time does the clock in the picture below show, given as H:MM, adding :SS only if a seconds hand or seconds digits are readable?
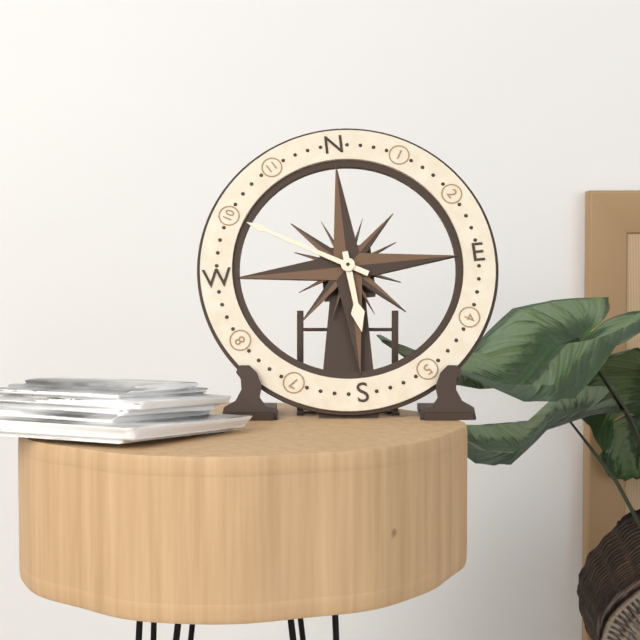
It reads 5:50
